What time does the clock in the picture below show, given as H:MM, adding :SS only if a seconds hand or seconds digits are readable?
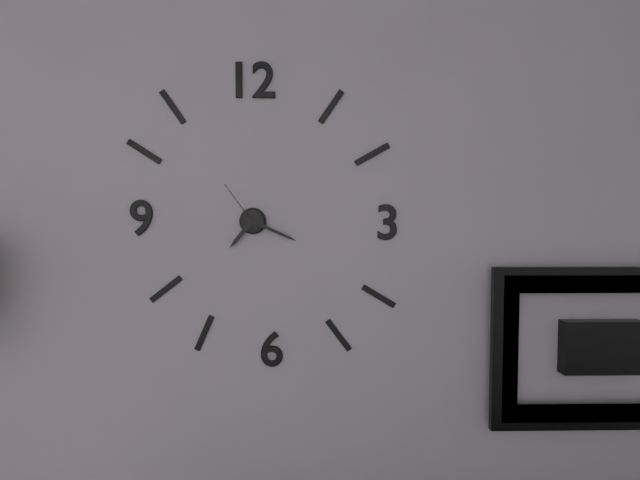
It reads 7:19:54
